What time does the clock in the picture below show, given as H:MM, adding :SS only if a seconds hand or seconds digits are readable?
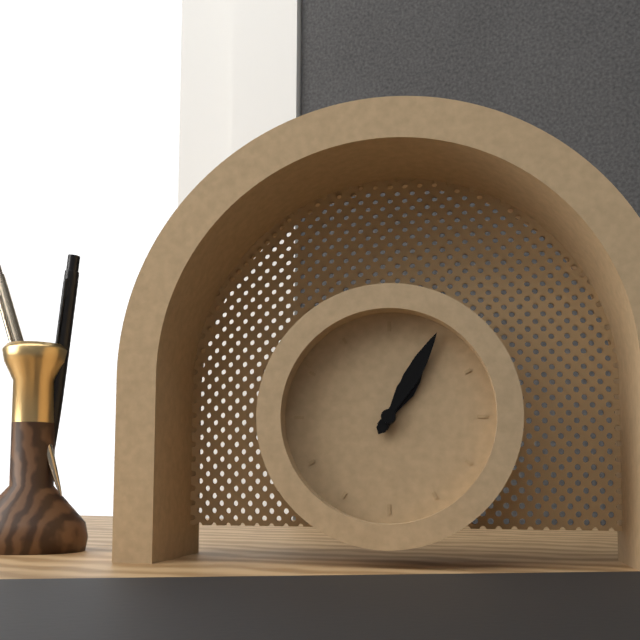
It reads 1:05
